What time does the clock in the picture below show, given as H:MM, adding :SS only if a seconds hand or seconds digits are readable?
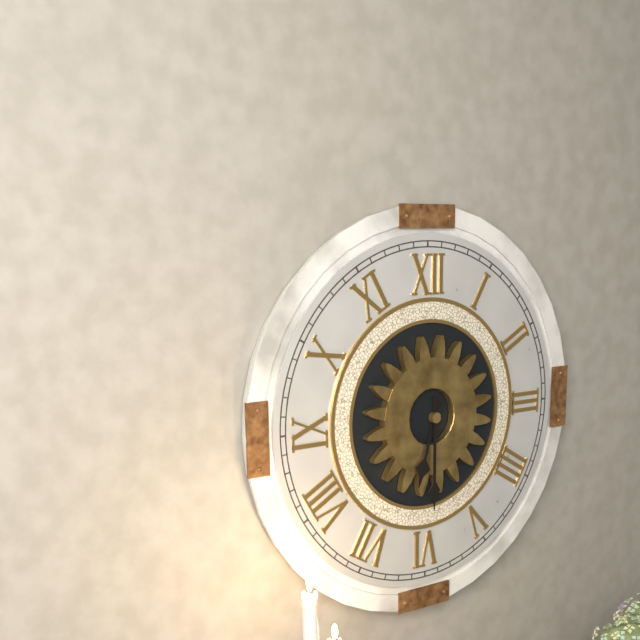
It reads 6:30
